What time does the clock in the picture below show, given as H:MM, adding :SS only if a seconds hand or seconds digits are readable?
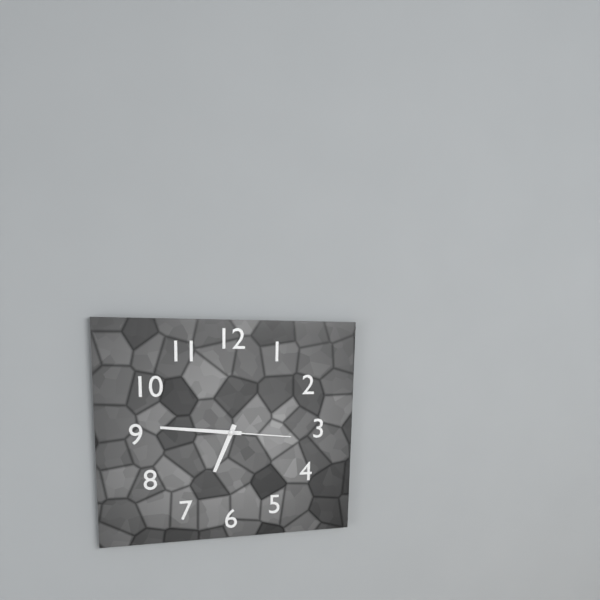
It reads 6:46:16
